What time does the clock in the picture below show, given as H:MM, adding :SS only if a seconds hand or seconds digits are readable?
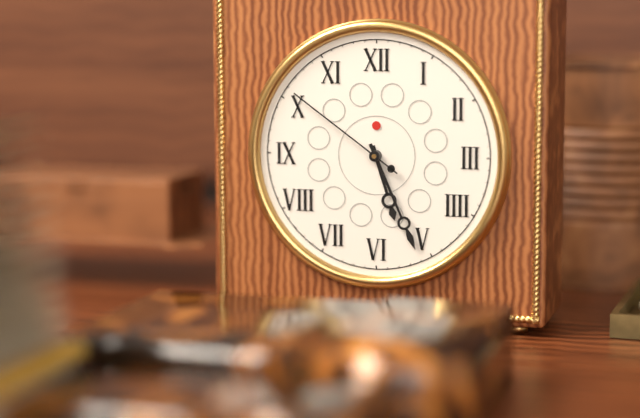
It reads 5:26:51
